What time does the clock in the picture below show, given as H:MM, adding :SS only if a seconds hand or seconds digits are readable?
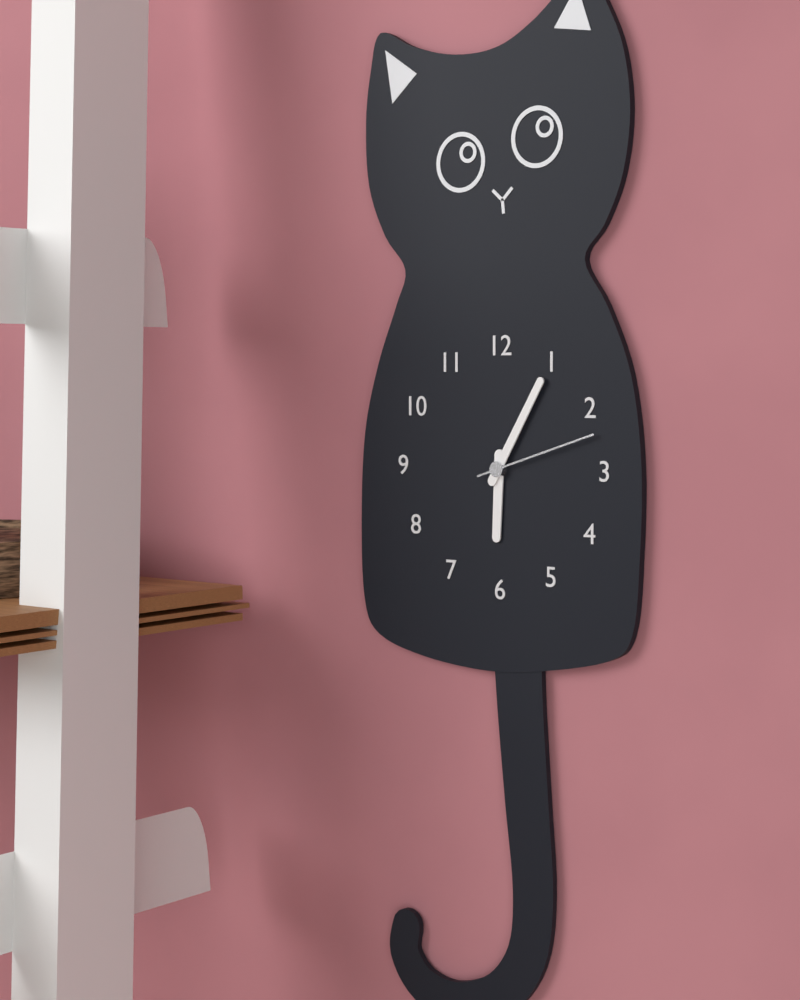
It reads 6:05:12
